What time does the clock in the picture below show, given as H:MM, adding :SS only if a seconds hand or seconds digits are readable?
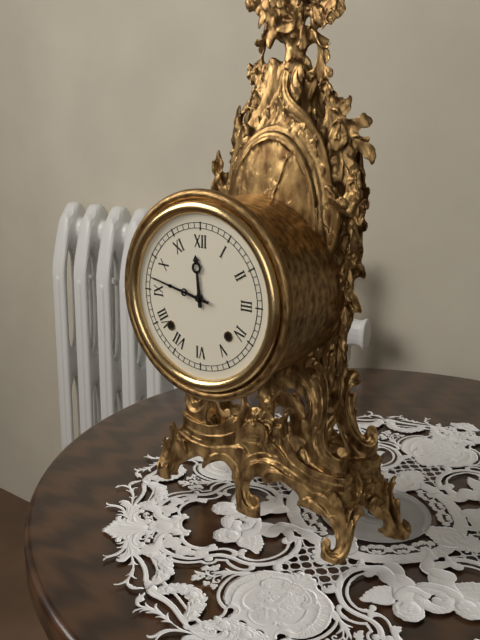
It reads 11:47
